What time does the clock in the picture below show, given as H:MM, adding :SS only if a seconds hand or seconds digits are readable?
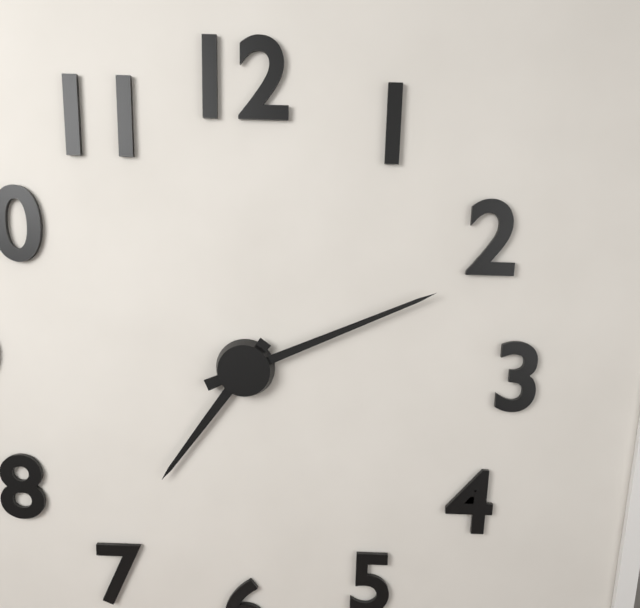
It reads 7:11
